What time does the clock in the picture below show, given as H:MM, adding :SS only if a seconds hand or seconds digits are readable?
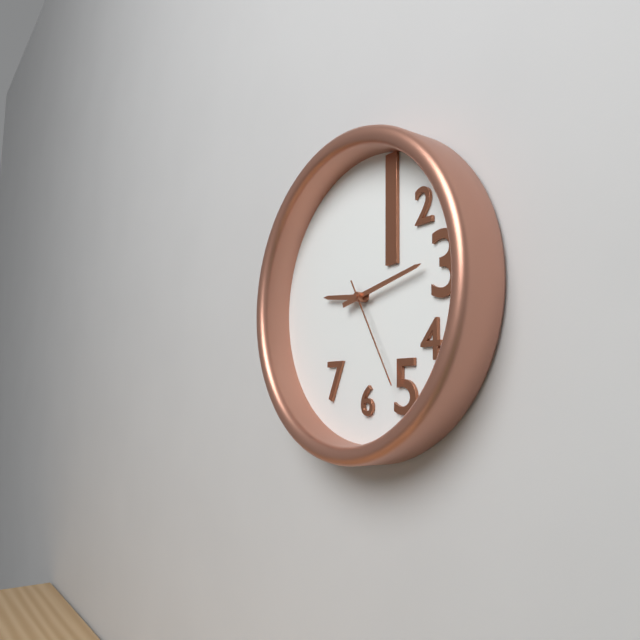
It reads 9:13:25
